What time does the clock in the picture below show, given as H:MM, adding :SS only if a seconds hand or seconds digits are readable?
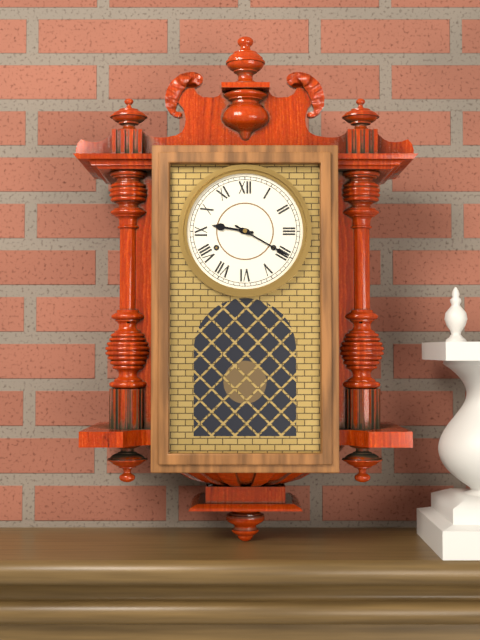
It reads 9:20
